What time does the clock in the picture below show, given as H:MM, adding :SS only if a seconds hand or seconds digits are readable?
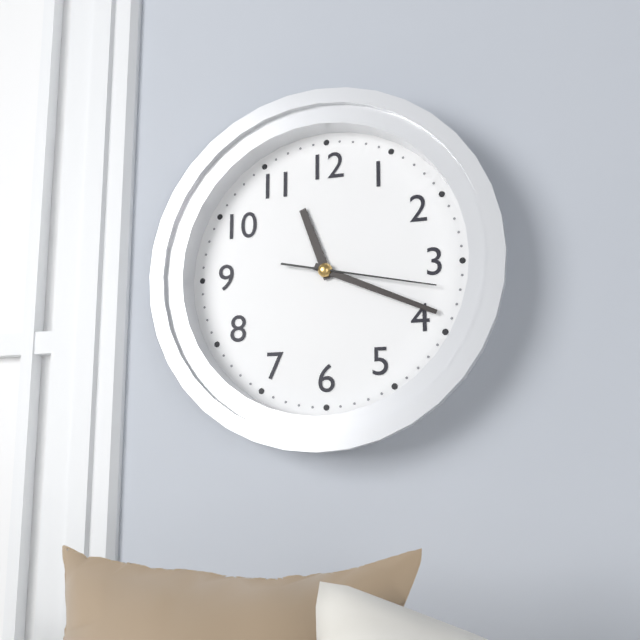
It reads 11:19:17
